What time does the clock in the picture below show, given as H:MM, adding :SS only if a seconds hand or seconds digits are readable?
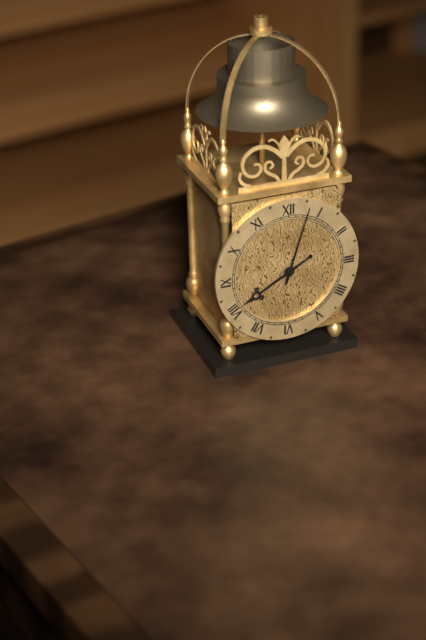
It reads 8:03
